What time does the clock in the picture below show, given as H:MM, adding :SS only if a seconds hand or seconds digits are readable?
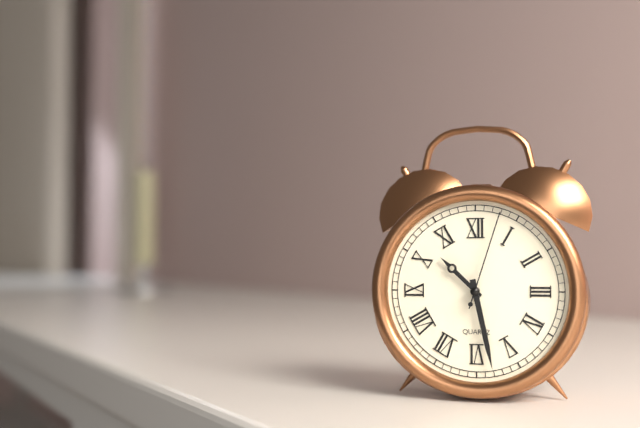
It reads 10:28:03
